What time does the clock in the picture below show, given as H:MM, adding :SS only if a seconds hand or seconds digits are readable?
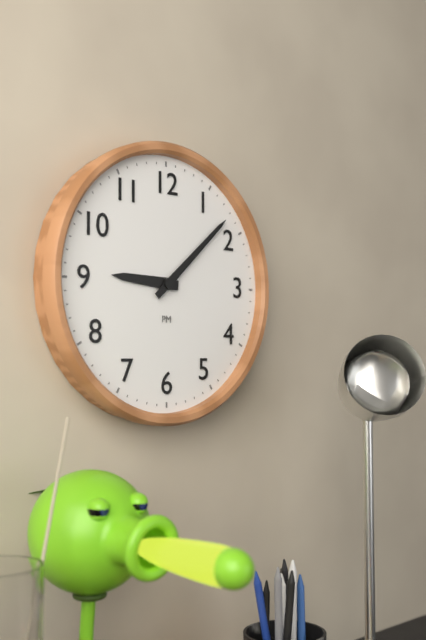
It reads 9:08
